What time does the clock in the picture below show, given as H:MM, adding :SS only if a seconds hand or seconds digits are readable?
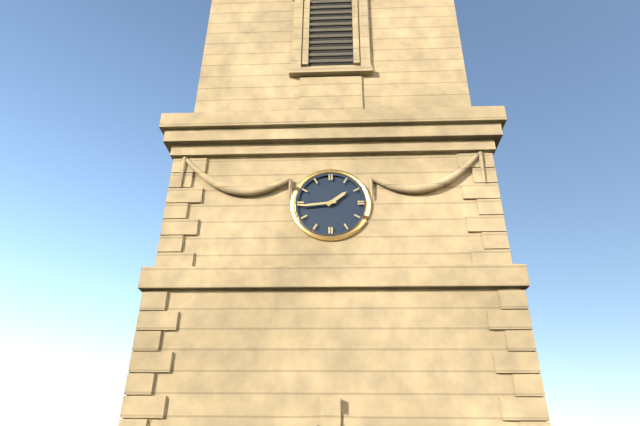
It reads 1:44
